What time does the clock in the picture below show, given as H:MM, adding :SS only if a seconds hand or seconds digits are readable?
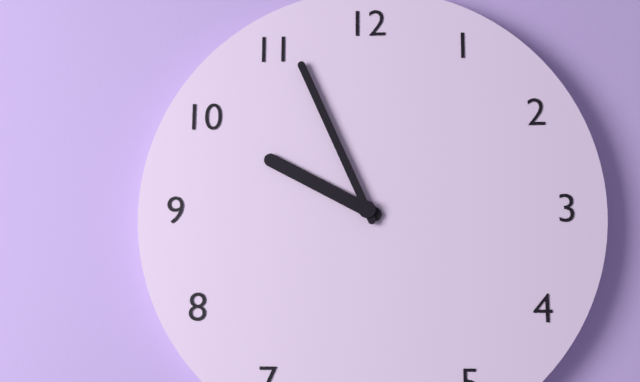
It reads 9:56
